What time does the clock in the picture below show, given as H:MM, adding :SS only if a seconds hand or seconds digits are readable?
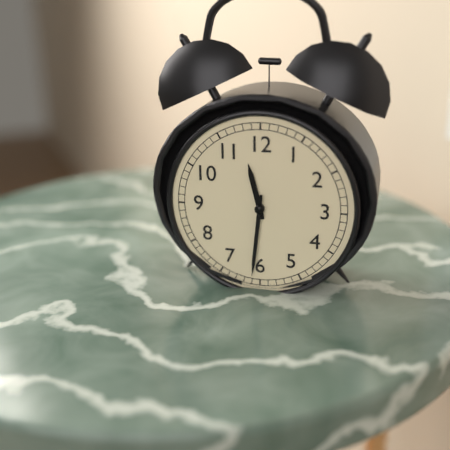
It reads 11:31
